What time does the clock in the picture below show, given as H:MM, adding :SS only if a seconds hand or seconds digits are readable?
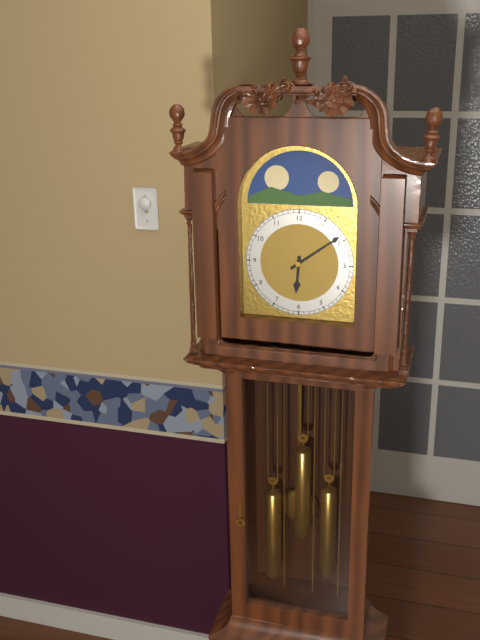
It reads 6:09
